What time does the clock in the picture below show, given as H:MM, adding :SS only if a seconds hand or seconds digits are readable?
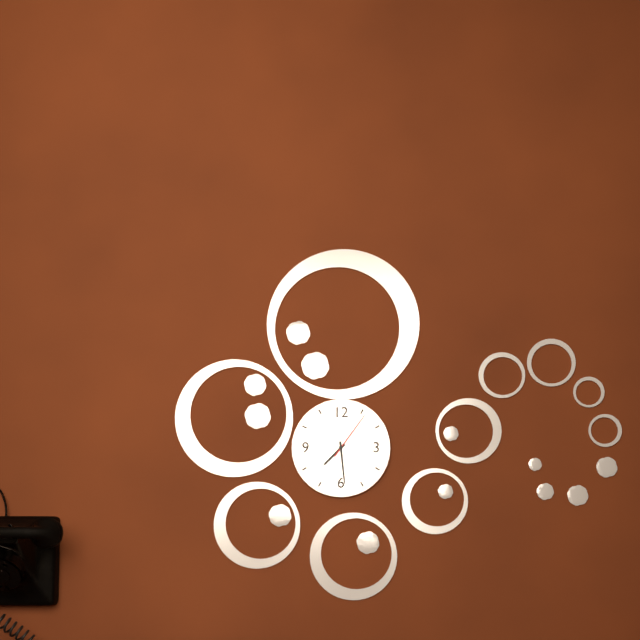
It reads 7:29:06
